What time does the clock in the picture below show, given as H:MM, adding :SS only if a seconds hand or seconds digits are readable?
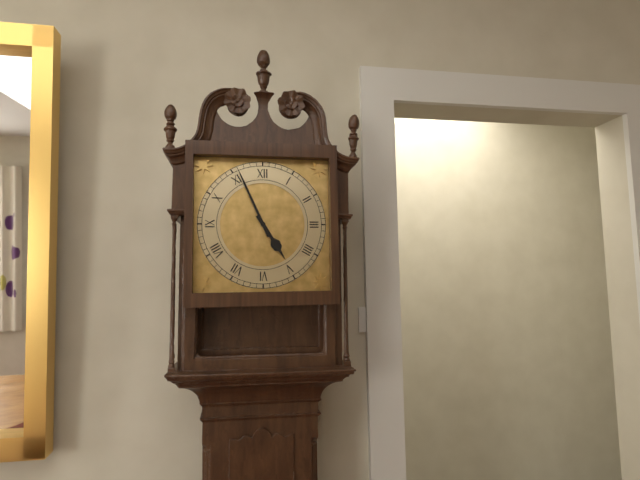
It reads 4:56
